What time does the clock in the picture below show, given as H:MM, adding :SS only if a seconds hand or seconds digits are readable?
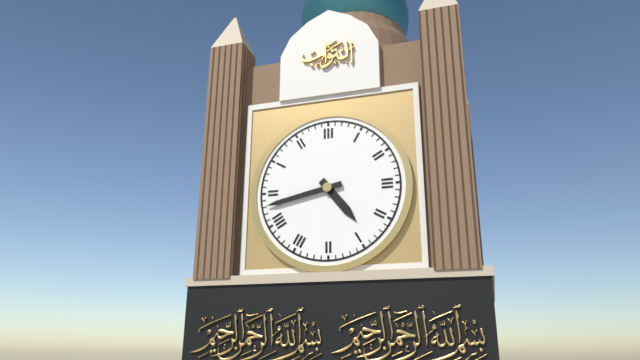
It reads 4:43
